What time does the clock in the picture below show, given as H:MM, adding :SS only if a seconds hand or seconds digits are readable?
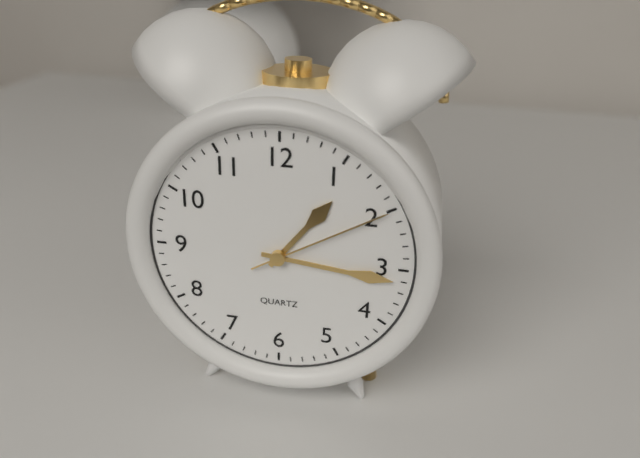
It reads 1:16:10
